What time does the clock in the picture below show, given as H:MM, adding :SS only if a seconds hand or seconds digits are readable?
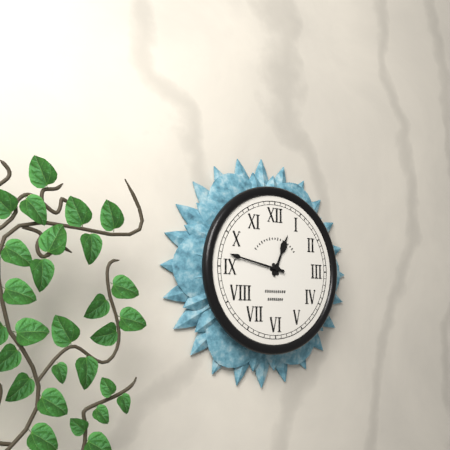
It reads 12:47
